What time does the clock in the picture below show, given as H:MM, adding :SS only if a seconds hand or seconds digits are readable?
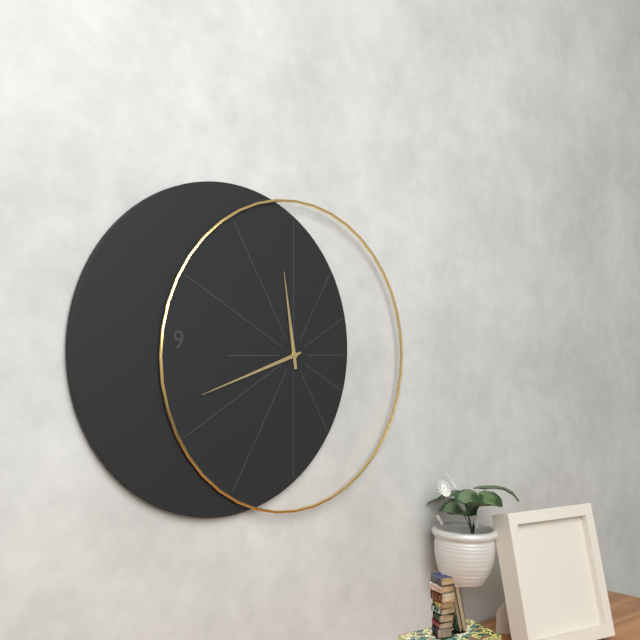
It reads 11:42
